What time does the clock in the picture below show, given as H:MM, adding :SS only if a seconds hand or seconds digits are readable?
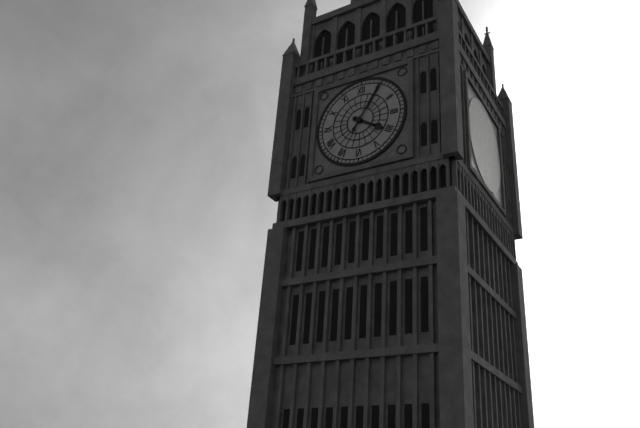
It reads 4:05
